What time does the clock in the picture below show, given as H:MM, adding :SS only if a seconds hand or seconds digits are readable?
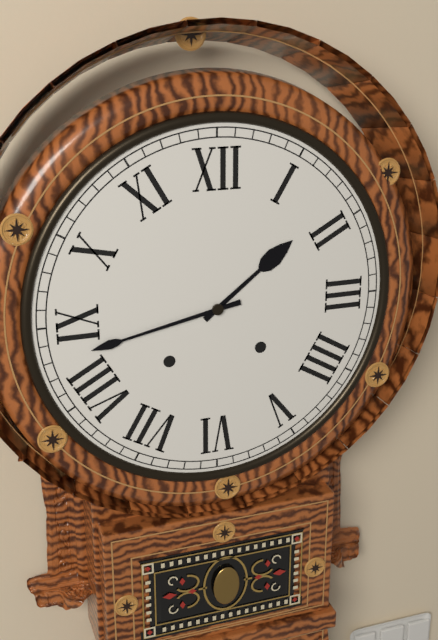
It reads 1:43
